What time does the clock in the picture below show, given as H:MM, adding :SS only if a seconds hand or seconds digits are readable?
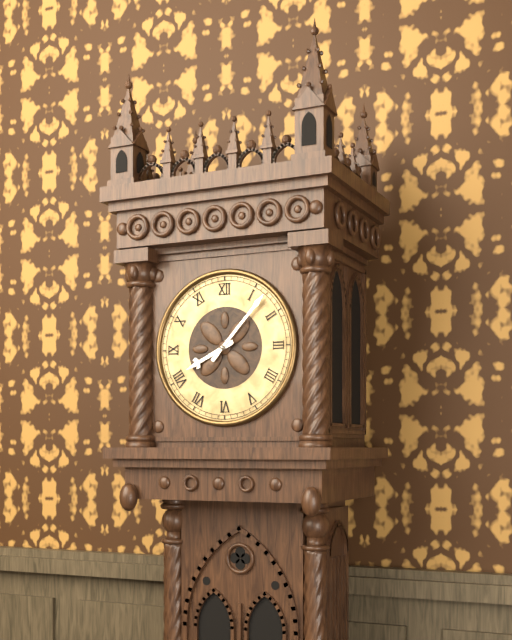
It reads 8:07
